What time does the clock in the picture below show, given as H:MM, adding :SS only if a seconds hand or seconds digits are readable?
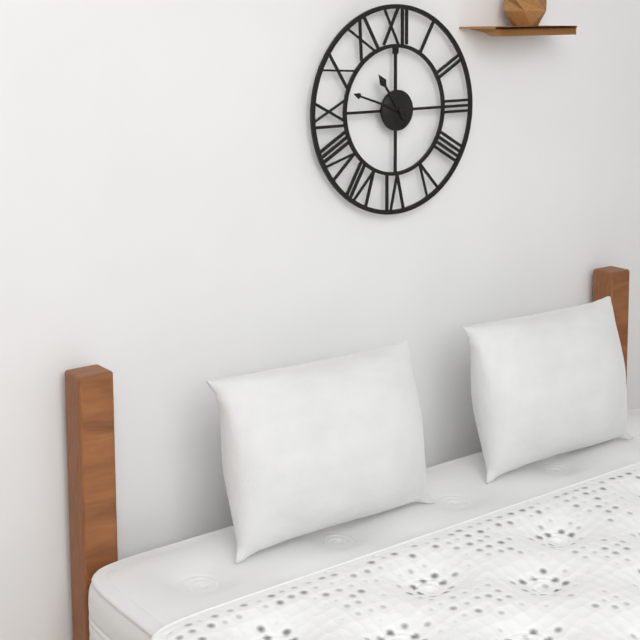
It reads 10:48
